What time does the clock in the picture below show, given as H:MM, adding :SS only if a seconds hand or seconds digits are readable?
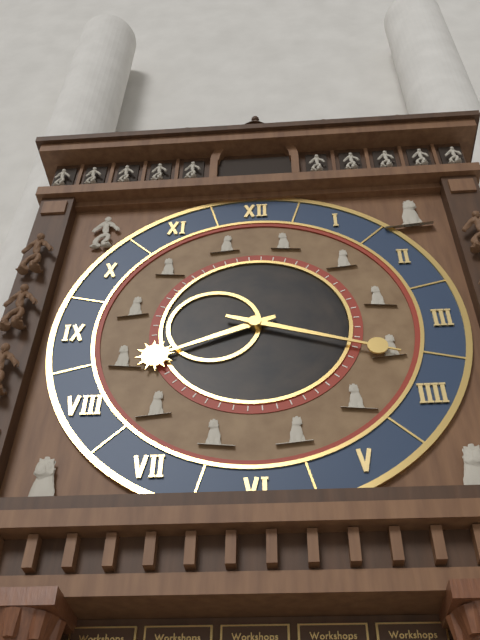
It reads 8:18
